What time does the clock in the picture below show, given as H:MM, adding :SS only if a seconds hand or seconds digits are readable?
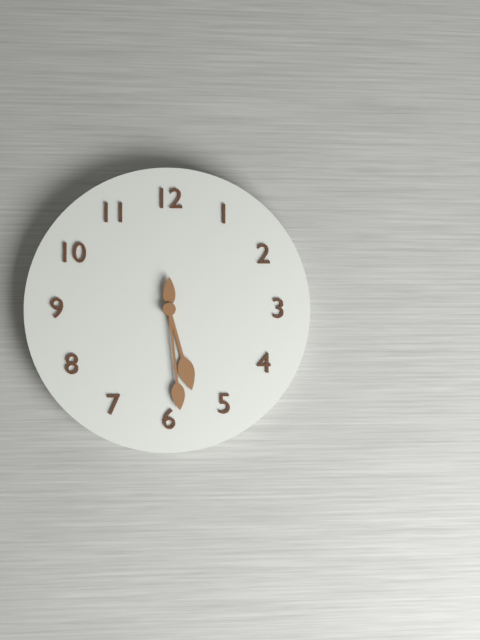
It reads 5:29
